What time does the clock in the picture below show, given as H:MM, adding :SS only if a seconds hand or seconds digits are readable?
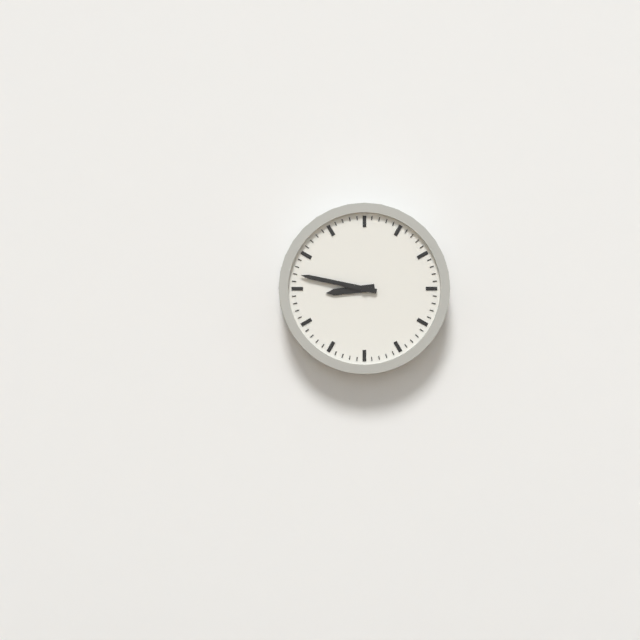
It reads 8:47
